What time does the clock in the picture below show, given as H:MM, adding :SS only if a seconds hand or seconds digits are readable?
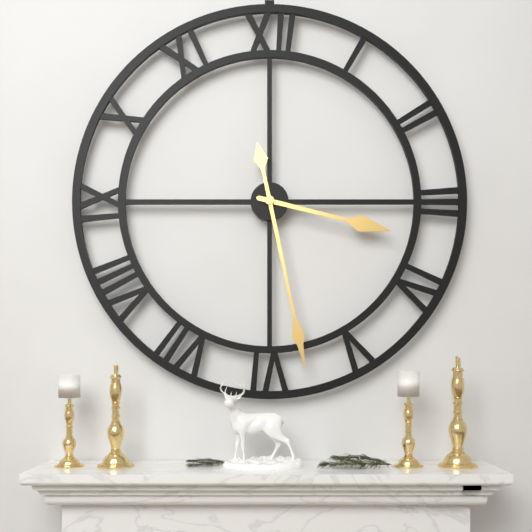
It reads 3:28
